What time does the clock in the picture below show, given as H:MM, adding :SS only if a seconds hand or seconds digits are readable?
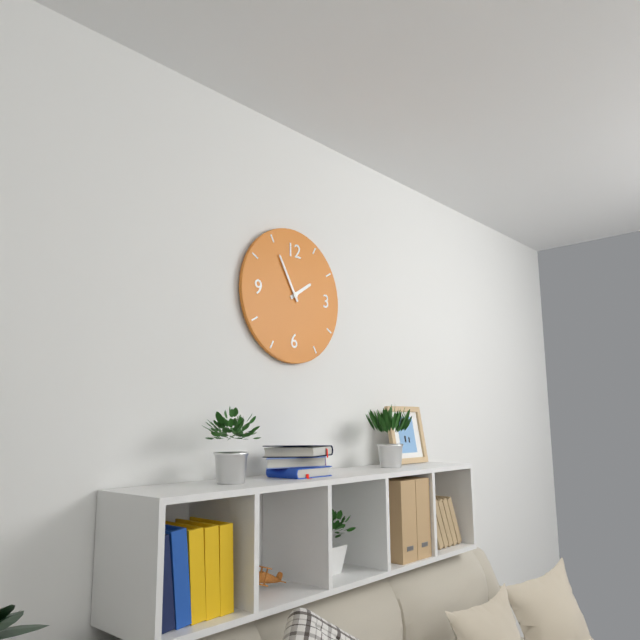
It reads 1:55
